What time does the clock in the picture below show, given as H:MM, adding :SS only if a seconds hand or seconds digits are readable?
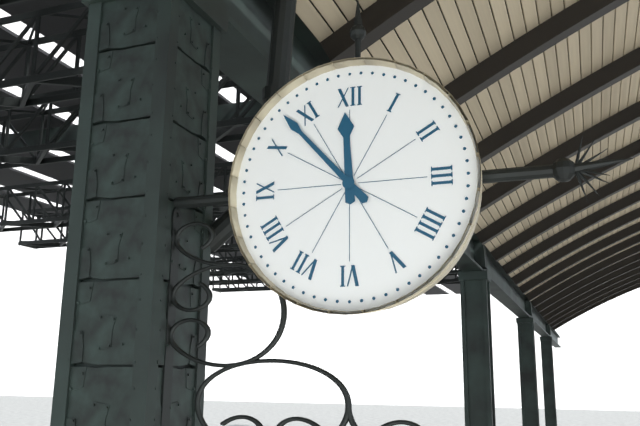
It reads 11:53
